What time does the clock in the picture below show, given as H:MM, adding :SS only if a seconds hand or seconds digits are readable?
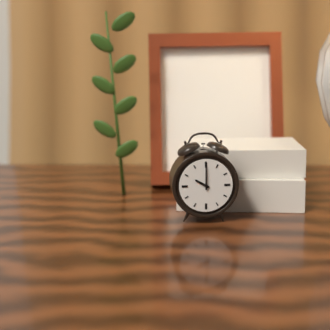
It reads 10:00
